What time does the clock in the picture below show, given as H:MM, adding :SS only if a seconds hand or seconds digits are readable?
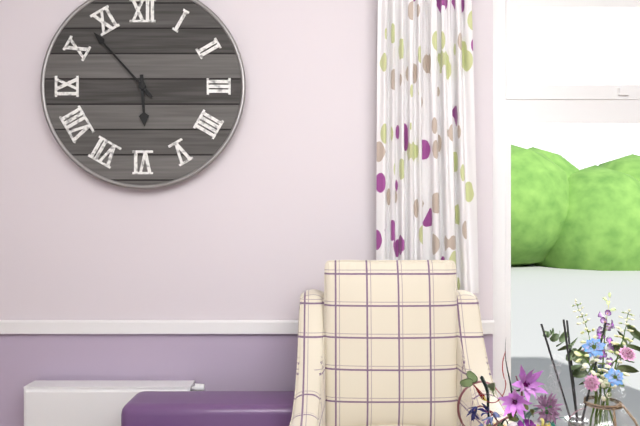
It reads 5:53
